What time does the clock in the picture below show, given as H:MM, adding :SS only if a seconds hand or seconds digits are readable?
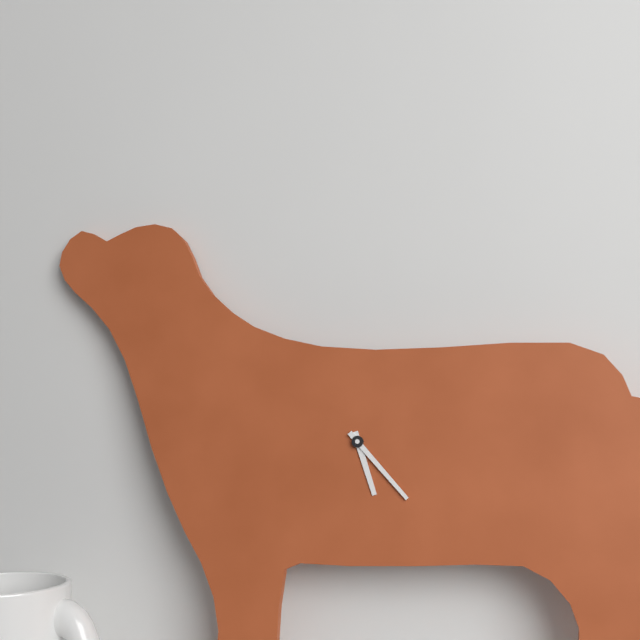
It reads 5:23
